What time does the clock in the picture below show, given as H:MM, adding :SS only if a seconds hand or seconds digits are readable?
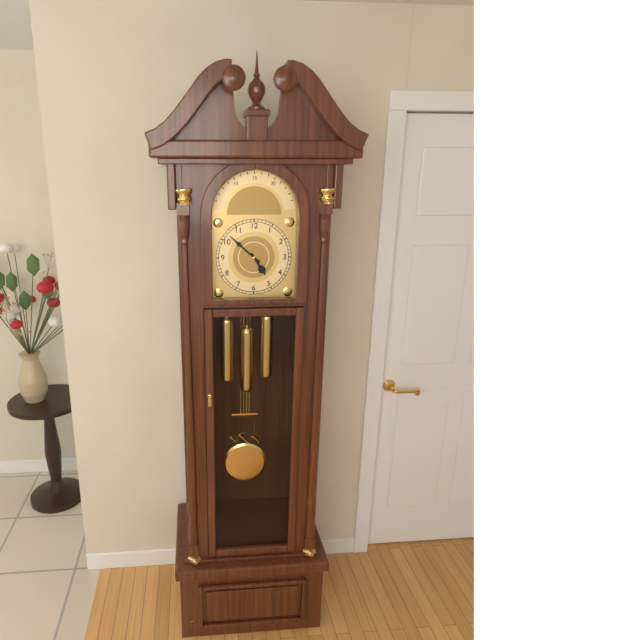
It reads 4:52
